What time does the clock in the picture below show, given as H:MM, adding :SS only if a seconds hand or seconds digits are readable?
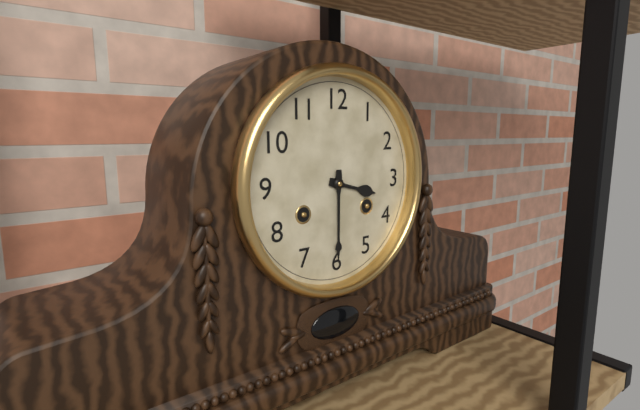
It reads 3:30
